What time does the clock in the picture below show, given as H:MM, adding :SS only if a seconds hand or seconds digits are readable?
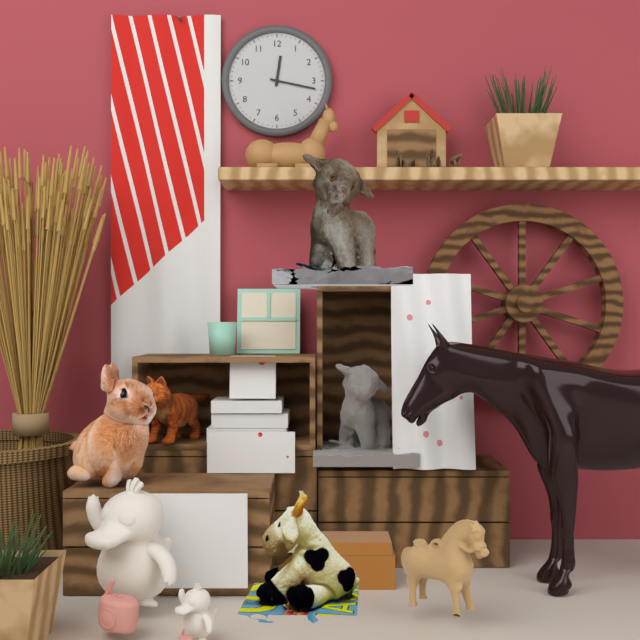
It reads 12:17
